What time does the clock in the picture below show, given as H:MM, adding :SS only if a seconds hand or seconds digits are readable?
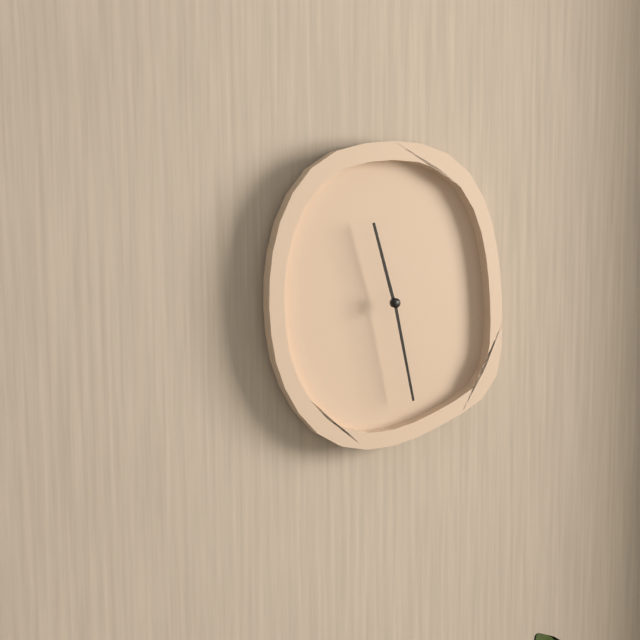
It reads 11:28
